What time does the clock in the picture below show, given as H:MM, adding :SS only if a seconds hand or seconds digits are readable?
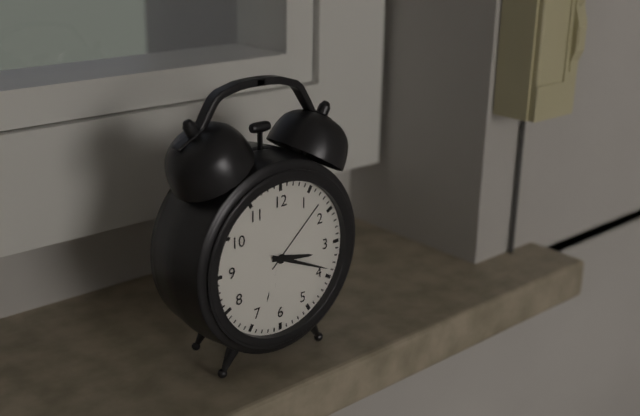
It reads 3:19
